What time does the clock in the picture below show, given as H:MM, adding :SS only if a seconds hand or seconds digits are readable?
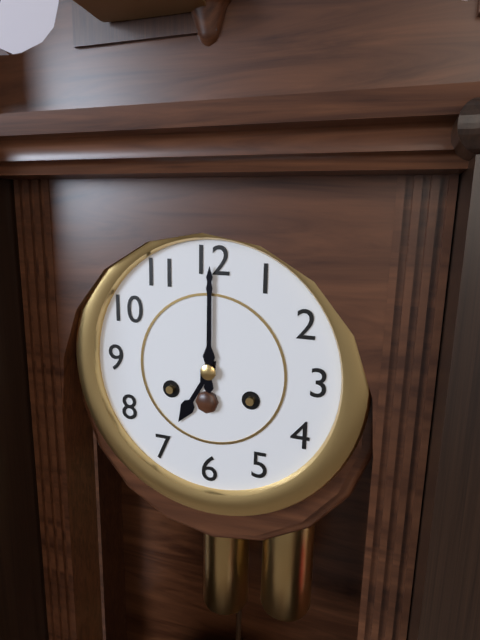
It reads 7:00
